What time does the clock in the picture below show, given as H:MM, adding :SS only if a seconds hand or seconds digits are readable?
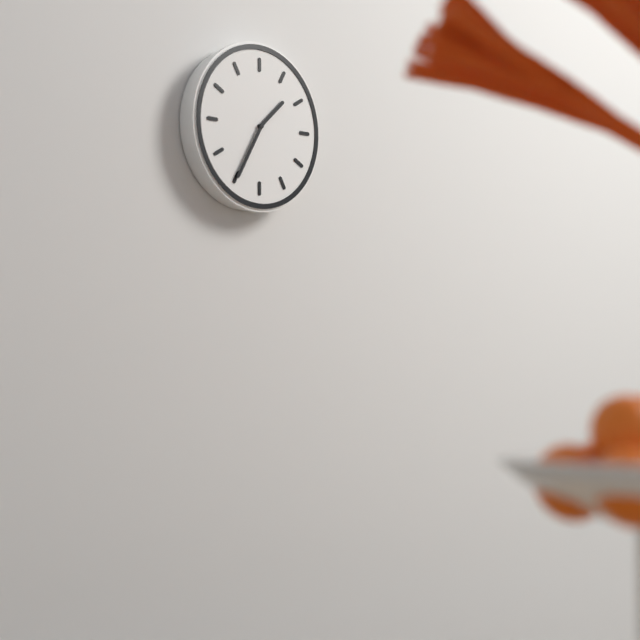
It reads 1:35
